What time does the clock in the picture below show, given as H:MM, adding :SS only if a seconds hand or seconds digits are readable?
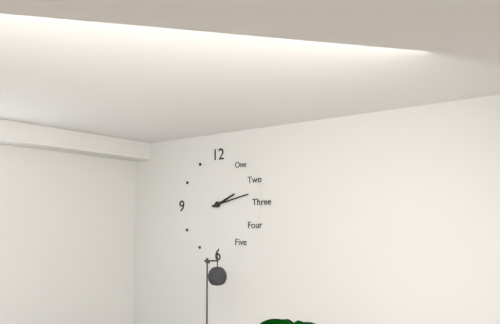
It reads 2:13
